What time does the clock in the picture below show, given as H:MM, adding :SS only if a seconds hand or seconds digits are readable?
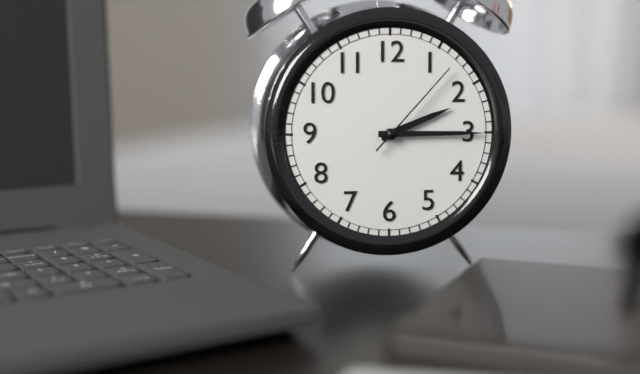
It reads 2:15:07
